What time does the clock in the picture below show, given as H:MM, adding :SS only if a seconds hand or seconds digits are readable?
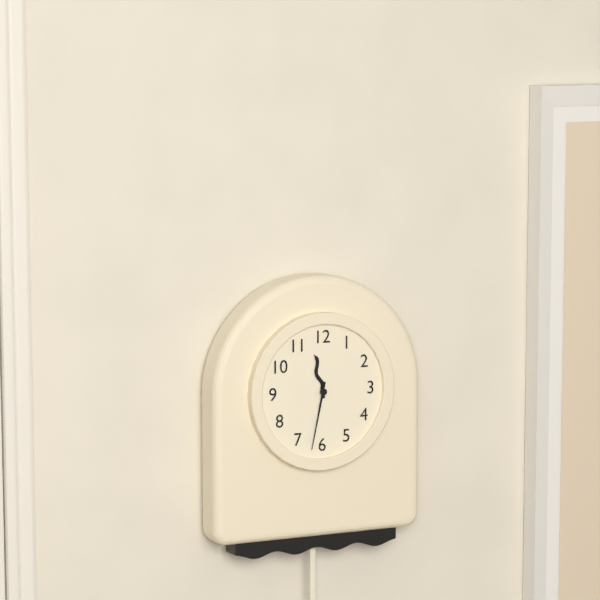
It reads 11:32
